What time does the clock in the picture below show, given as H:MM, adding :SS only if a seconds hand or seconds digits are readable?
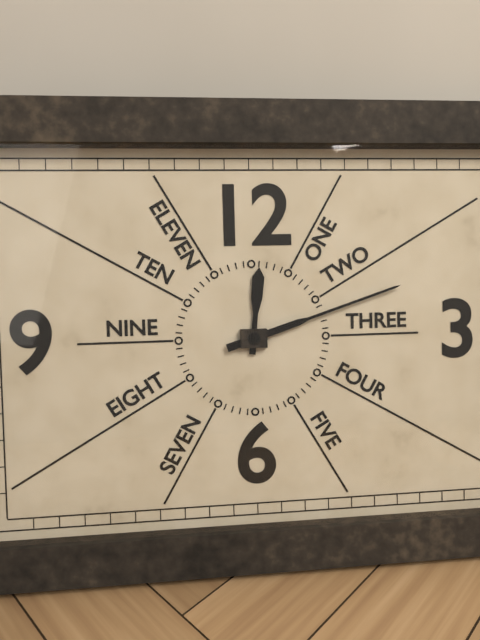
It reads 12:12
